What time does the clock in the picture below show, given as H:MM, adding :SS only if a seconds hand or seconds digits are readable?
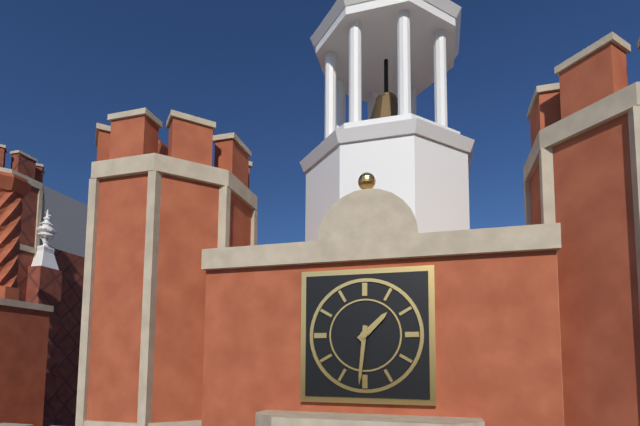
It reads 1:31
